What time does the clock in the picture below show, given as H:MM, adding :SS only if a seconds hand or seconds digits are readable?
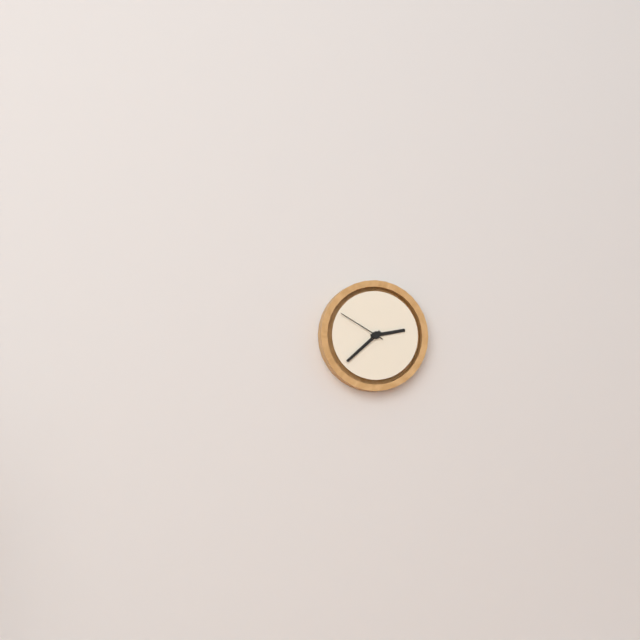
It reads 2:38:50
